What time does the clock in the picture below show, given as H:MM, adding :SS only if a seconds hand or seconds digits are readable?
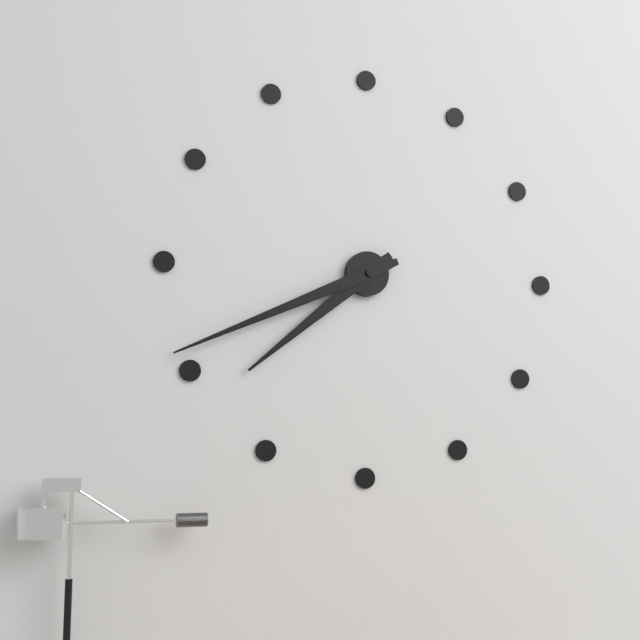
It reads 7:41
